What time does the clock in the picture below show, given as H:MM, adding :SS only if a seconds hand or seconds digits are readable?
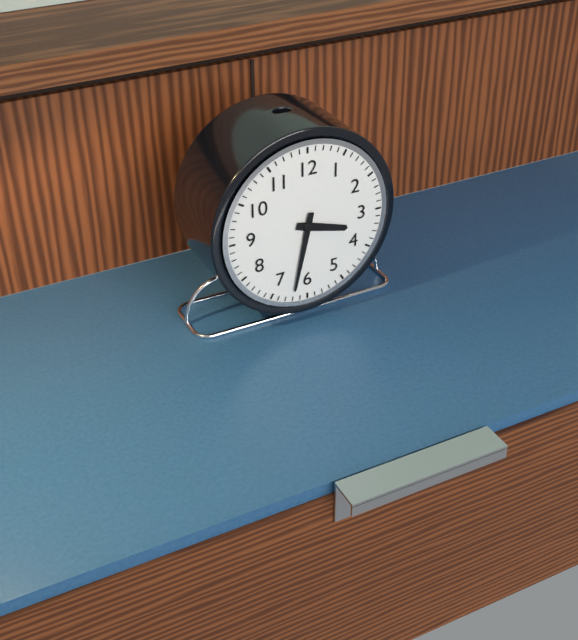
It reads 3:32
